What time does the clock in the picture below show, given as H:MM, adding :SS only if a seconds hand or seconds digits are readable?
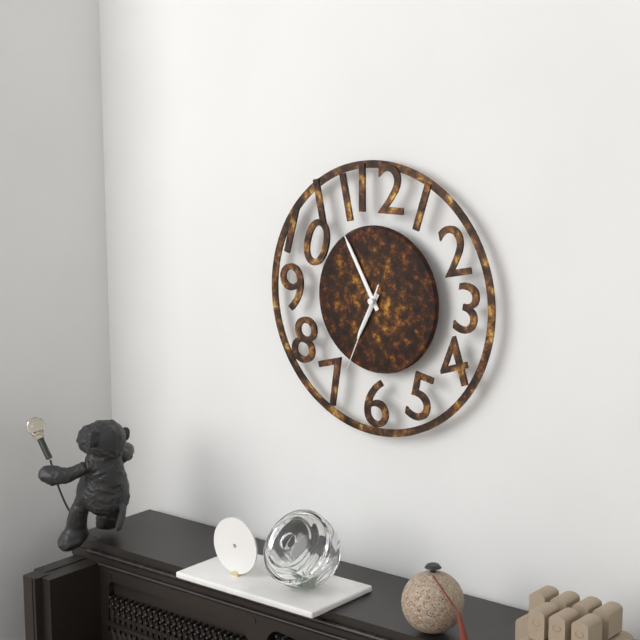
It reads 6:55:34
